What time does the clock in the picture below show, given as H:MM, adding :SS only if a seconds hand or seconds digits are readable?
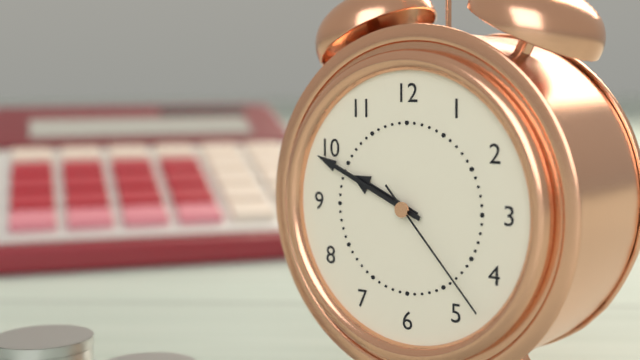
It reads 9:49:23
